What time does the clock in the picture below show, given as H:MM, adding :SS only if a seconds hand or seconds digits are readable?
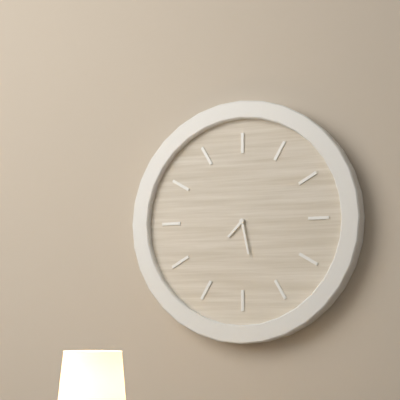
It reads 7:28
